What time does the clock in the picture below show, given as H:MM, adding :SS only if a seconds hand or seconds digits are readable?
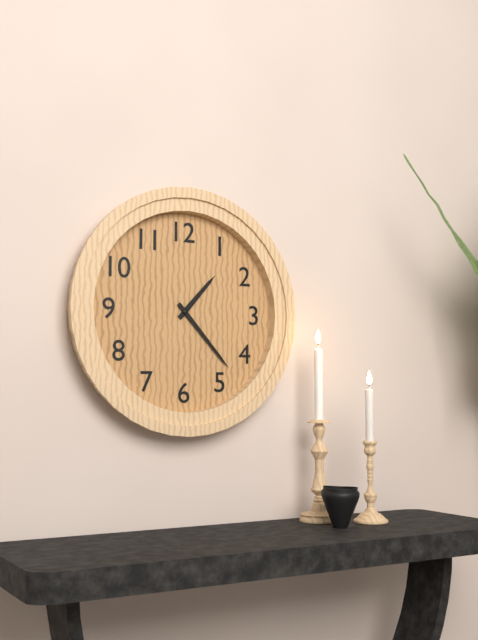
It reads 1:23
